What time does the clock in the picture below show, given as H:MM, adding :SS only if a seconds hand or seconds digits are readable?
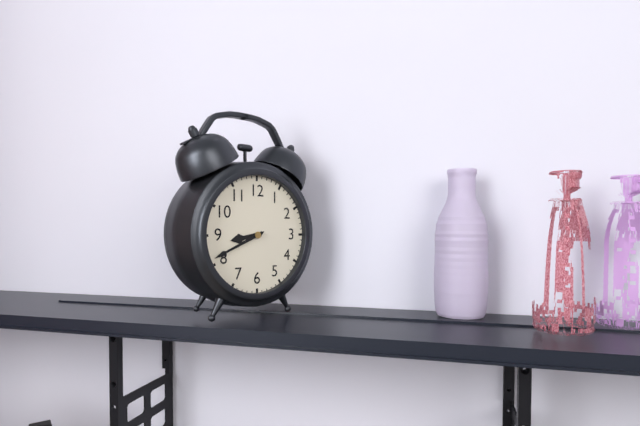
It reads 8:41
